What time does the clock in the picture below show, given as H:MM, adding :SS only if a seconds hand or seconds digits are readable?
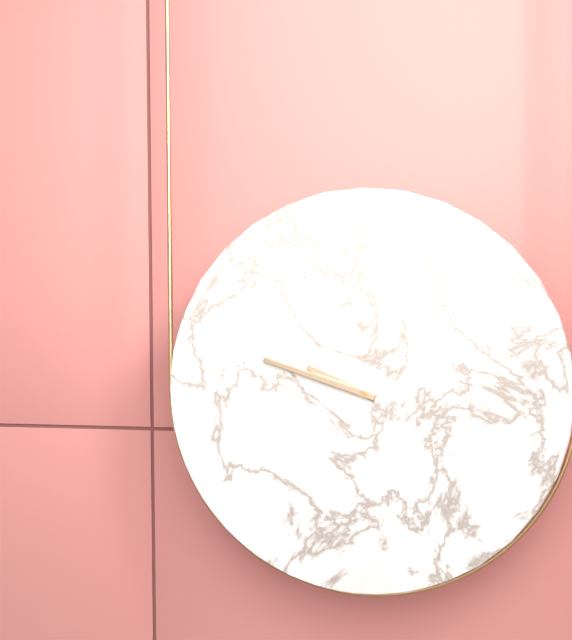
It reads 9:48
